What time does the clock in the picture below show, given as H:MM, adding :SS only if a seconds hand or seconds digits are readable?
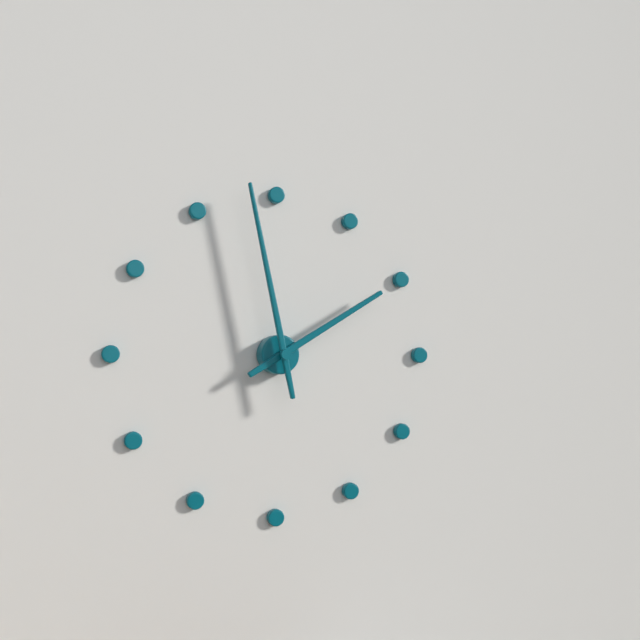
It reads 1:58
